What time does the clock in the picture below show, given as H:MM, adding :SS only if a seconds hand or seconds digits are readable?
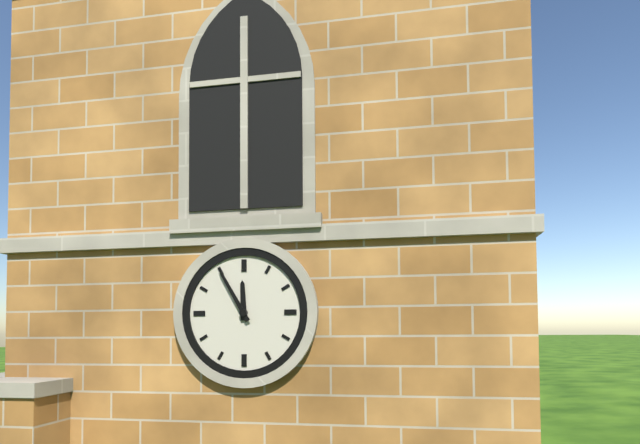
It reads 11:55
